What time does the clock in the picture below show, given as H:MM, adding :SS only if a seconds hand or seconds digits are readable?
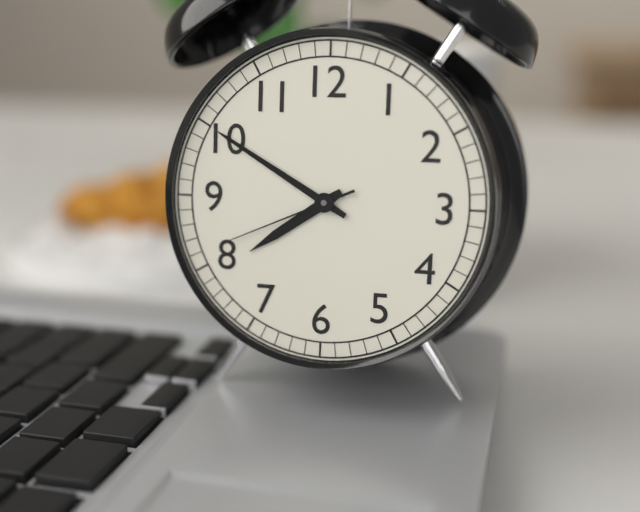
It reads 7:50:41
